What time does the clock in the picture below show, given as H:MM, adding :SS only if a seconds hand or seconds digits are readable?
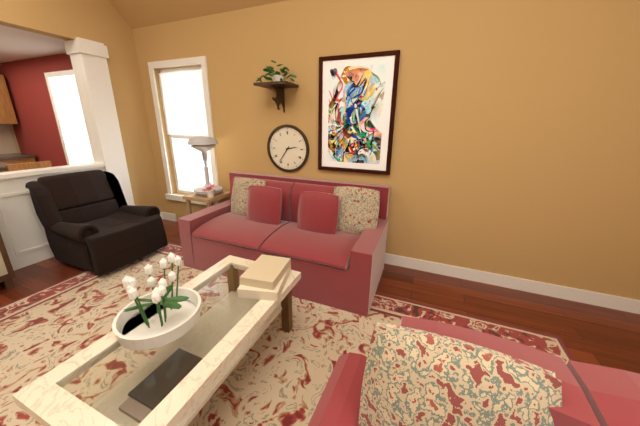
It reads 2:36
